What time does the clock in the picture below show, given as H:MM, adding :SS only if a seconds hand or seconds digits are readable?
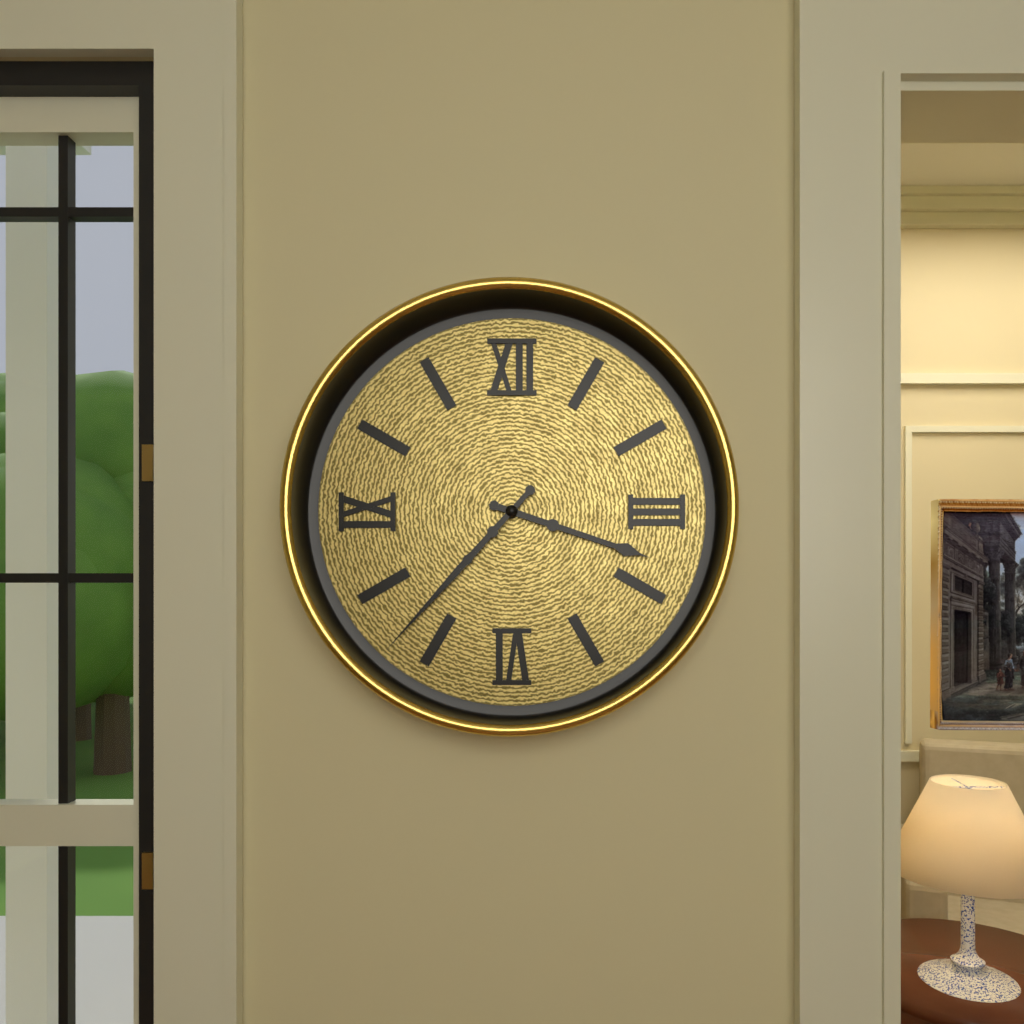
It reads 3:37
